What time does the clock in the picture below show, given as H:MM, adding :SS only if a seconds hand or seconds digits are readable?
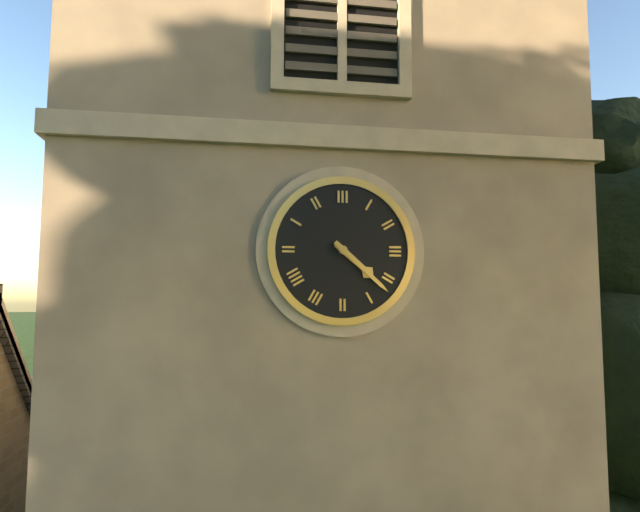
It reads 4:22
